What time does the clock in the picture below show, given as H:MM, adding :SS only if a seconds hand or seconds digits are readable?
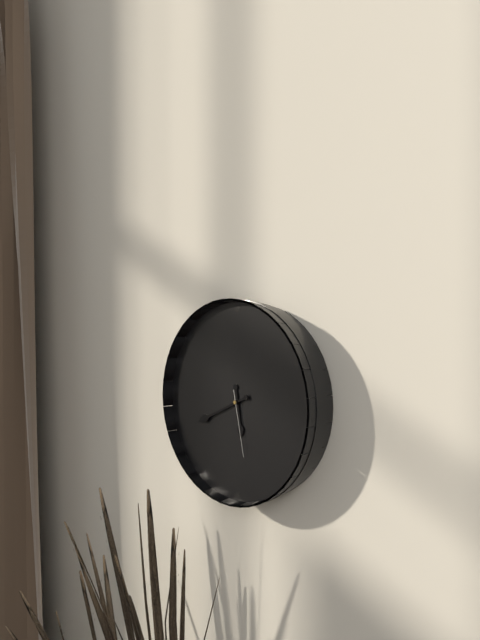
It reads 5:41:28
